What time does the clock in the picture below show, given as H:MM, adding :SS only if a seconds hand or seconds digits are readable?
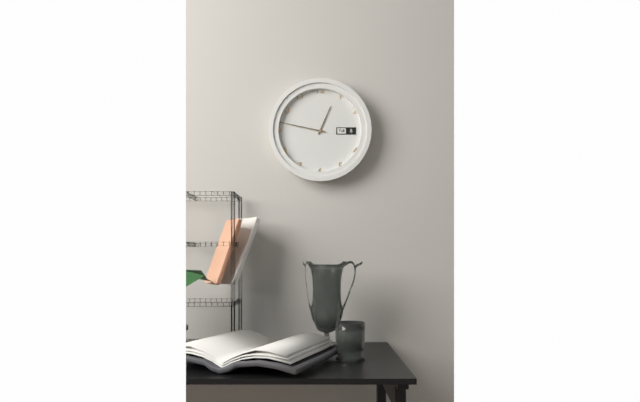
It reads 12:47
